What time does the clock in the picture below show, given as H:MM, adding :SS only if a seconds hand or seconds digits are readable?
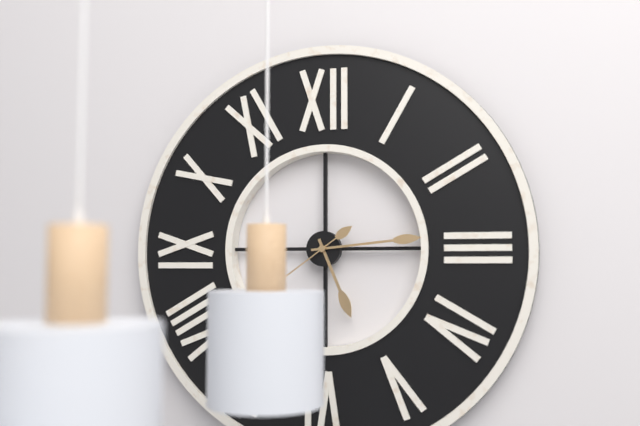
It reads 5:14
